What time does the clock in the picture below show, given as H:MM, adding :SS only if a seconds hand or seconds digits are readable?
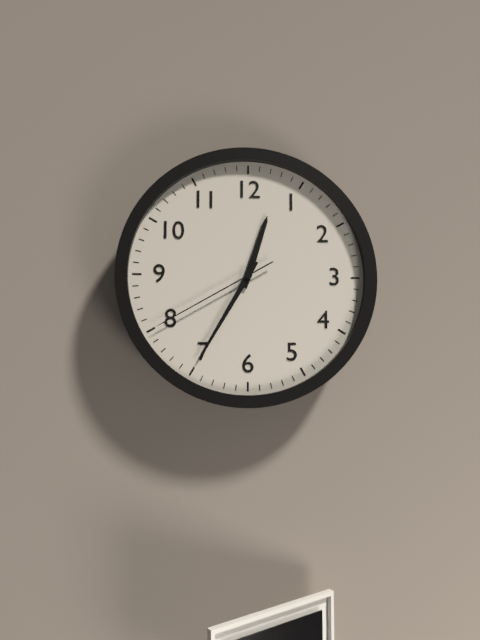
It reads 12:35:40
